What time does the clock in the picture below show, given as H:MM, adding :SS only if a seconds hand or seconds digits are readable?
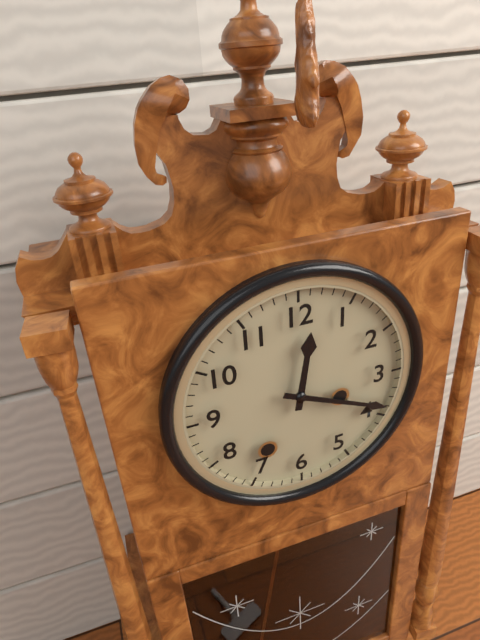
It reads 12:19
